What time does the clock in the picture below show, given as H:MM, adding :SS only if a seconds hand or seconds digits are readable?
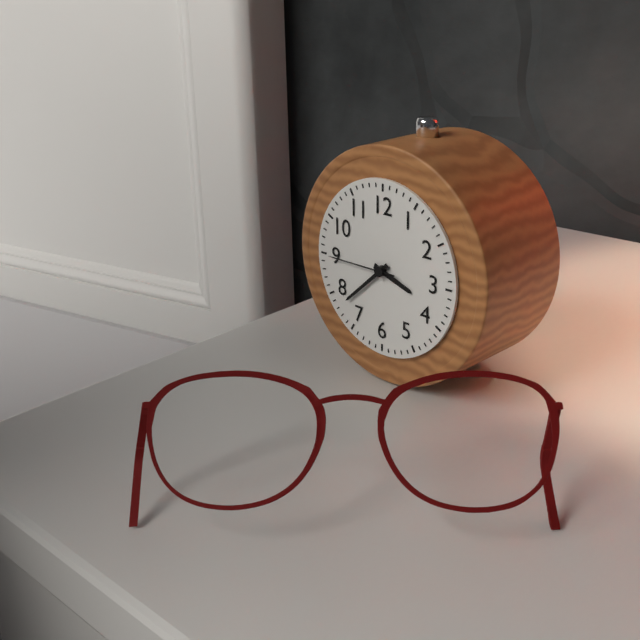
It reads 3:38:45
